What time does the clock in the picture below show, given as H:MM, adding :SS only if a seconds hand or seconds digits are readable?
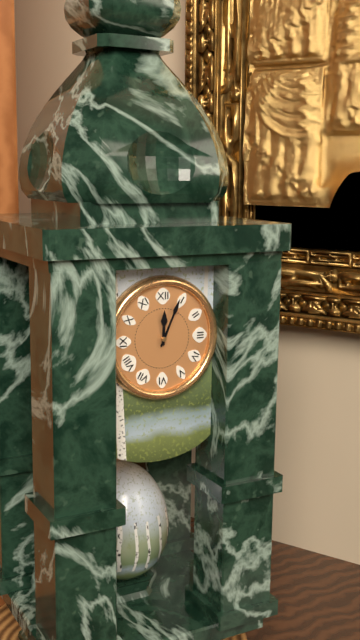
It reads 12:04
